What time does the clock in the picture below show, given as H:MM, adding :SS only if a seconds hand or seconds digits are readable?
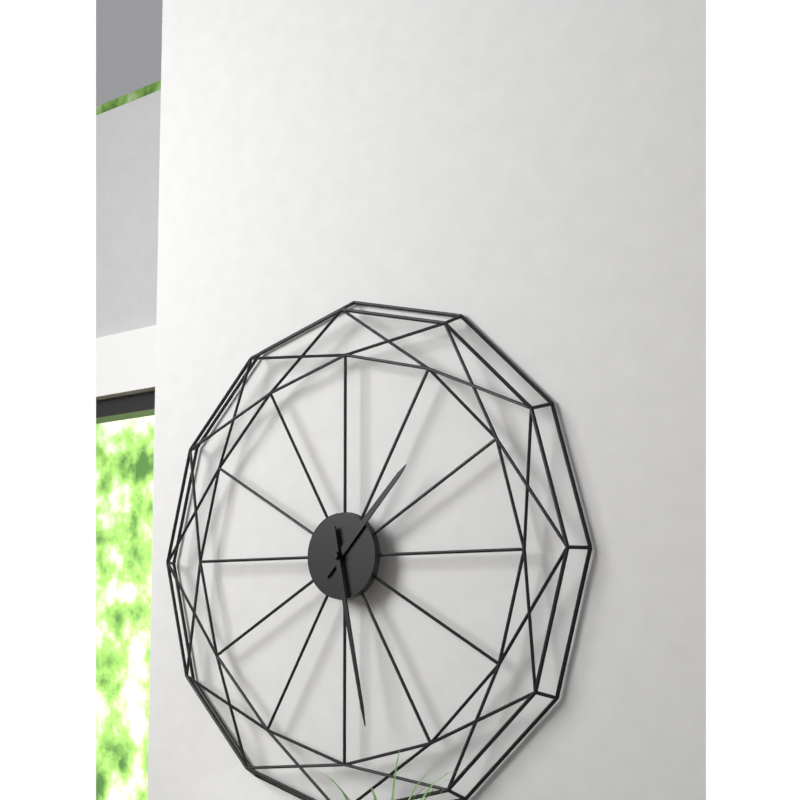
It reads 1:28
